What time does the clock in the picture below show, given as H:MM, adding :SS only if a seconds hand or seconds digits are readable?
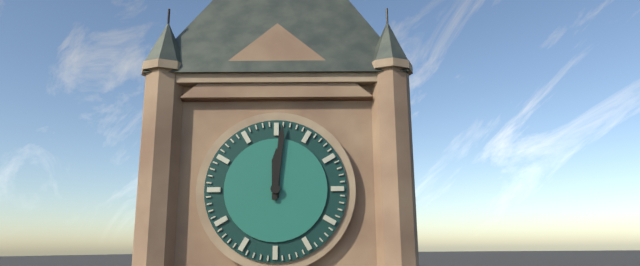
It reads 12:01
